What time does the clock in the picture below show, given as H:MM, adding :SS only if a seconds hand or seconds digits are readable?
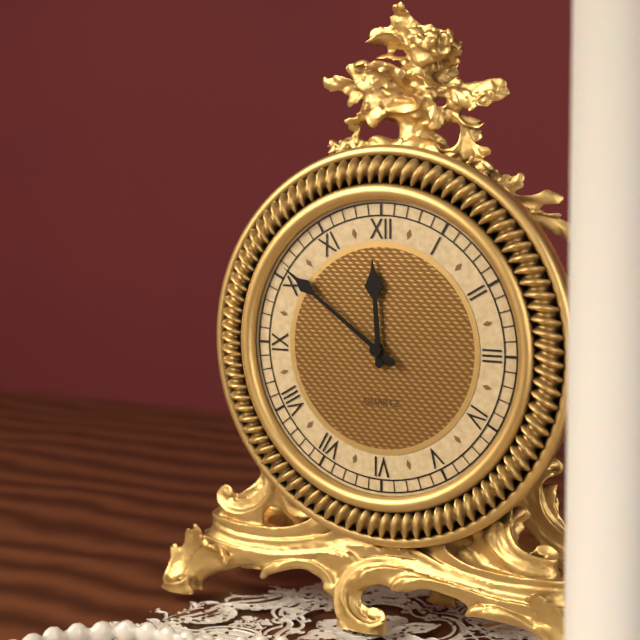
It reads 11:51
